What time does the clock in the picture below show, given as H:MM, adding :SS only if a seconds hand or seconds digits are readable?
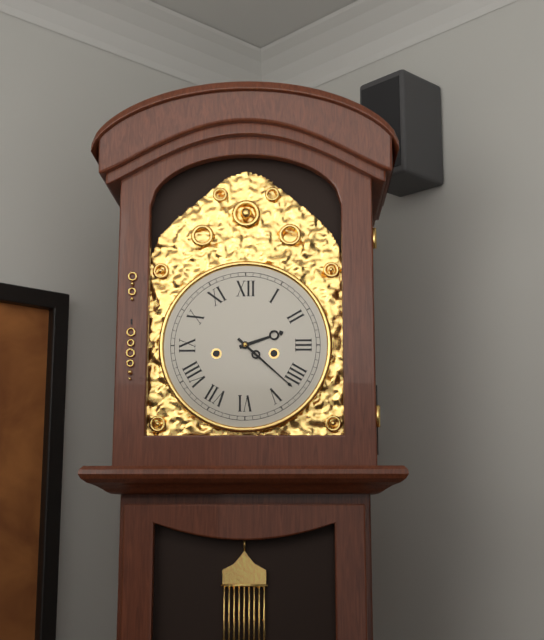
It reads 2:22
